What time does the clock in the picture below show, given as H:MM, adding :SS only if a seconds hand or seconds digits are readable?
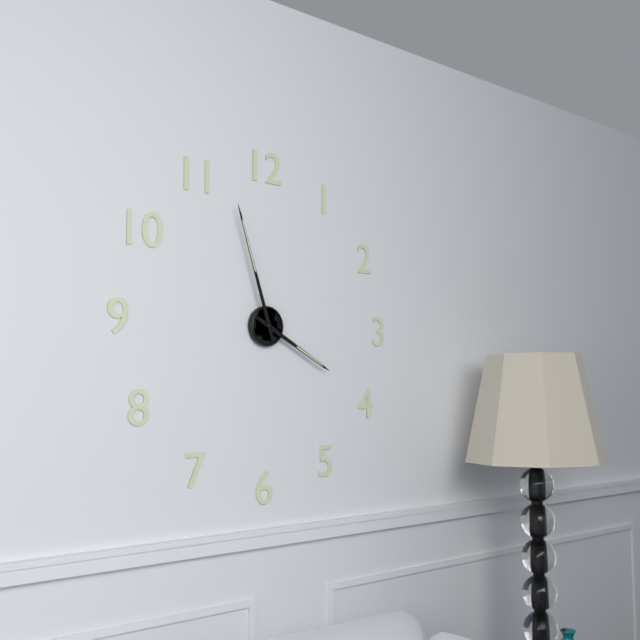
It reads 3:57
